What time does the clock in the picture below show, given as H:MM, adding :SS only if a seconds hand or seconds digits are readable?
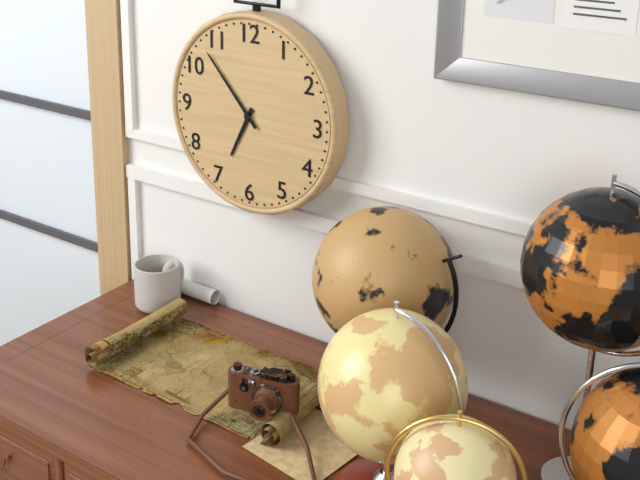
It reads 6:53
